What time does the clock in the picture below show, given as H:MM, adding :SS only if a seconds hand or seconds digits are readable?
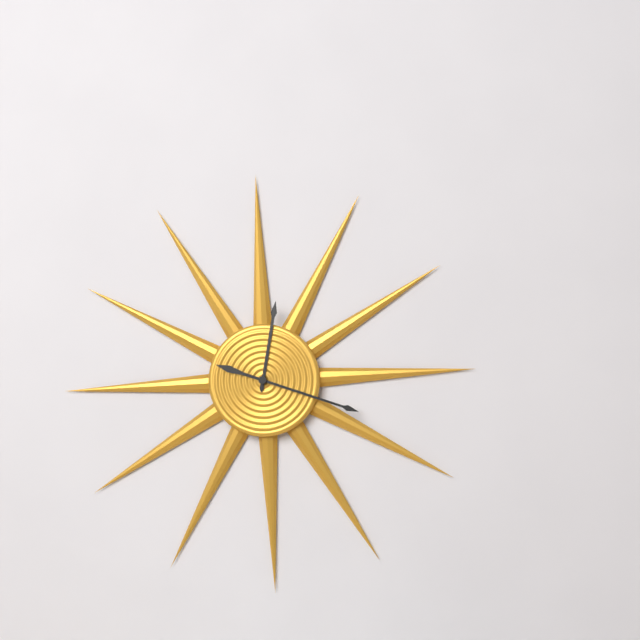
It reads 12:18
